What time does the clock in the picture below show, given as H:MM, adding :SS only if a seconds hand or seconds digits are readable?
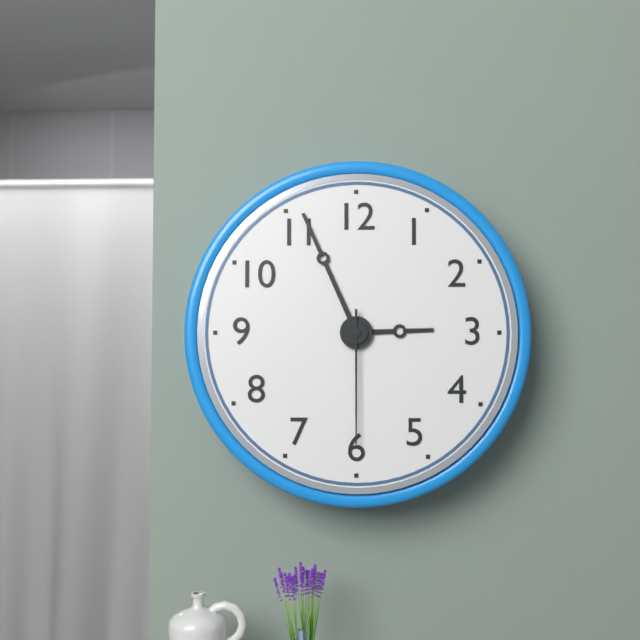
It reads 2:56:30
